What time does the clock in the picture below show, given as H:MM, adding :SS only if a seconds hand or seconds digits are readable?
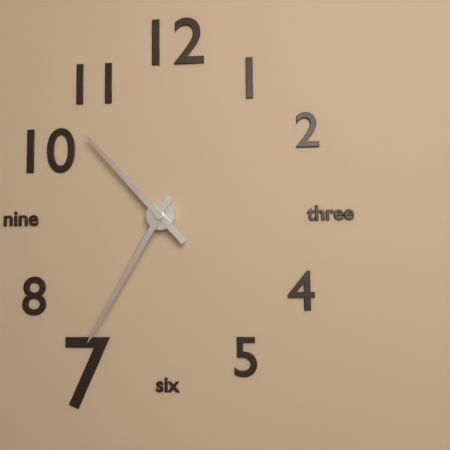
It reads 10:35
